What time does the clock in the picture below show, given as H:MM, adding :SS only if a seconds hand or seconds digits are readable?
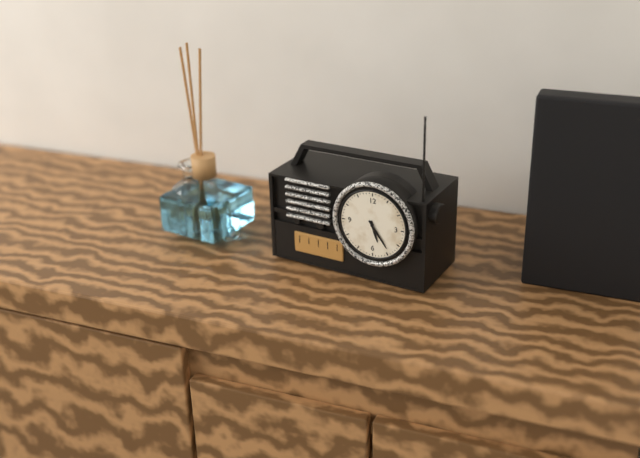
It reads 5:24
